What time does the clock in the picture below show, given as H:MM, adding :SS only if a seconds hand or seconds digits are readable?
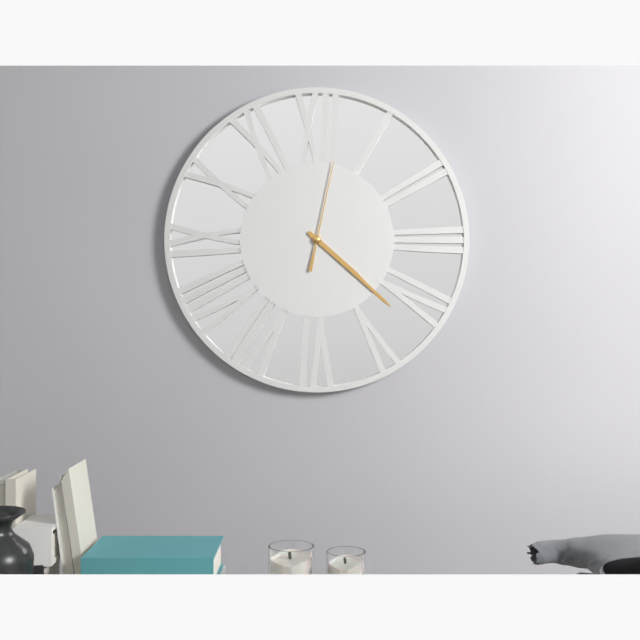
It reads 4:22:02
